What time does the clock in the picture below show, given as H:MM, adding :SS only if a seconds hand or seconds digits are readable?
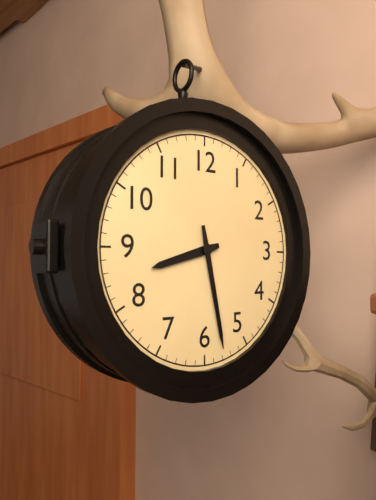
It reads 8:28
